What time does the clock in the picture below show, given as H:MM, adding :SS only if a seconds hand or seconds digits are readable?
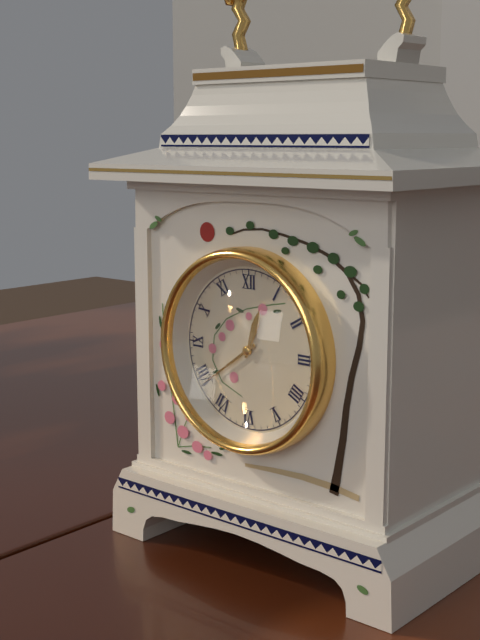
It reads 12:39
